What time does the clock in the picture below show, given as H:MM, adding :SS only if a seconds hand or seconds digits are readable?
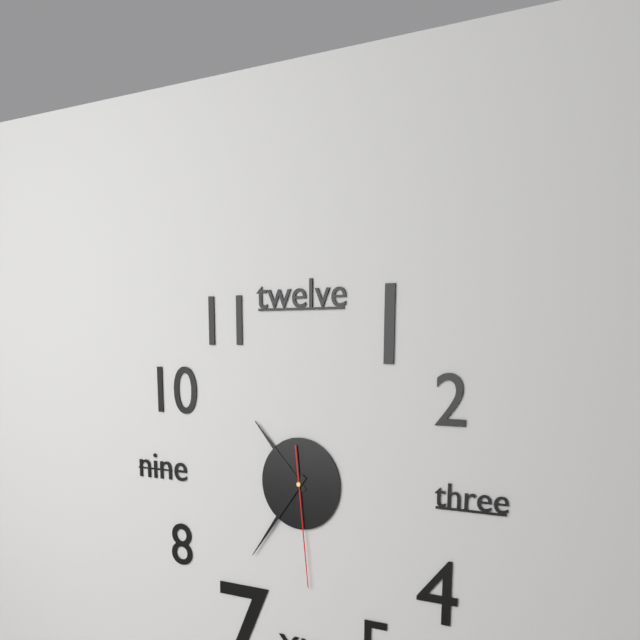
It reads 10:36:29
